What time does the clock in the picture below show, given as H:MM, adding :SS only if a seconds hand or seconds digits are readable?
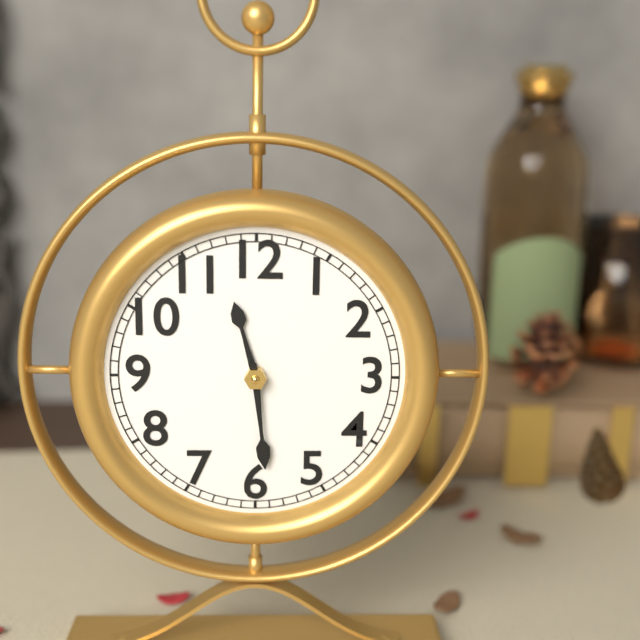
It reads 11:29
